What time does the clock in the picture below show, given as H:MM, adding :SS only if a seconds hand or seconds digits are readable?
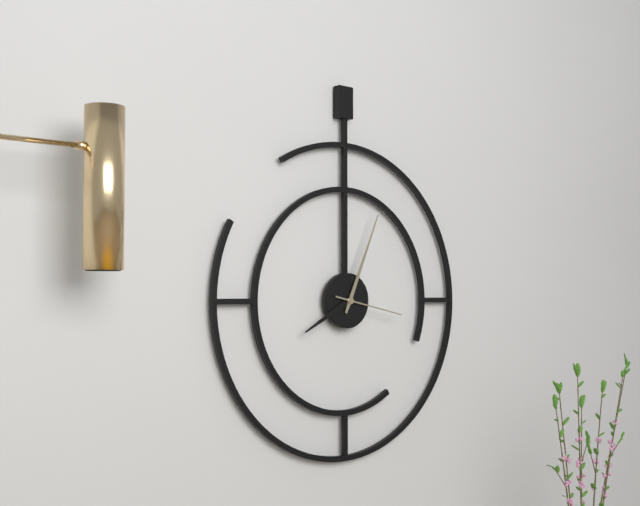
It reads 8:04:17
